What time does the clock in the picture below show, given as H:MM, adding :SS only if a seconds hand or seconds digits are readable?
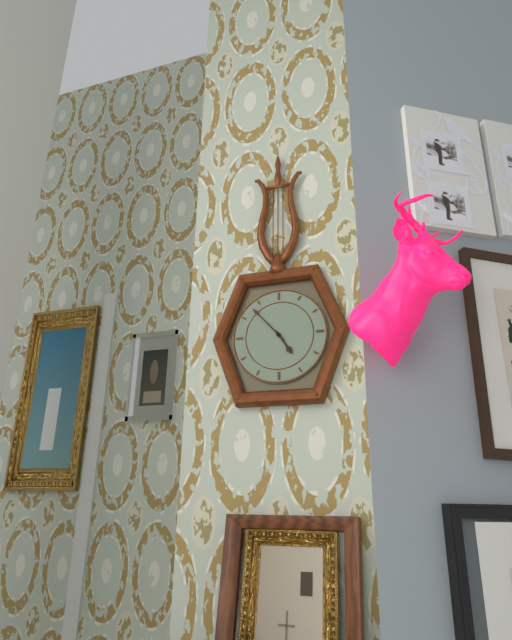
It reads 4:53
